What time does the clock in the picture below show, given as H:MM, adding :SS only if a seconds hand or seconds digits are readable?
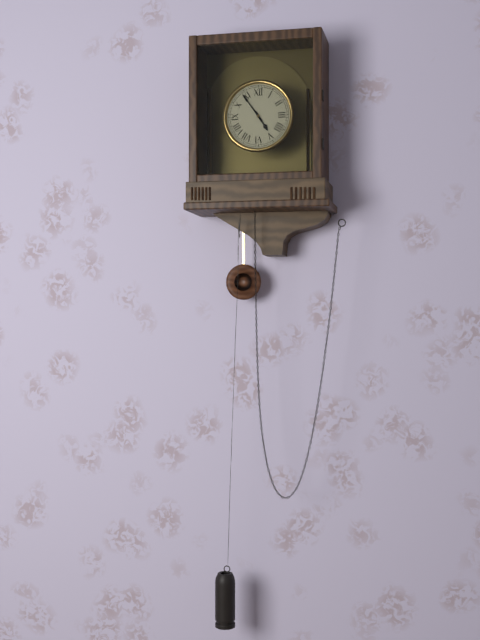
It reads 4:54
